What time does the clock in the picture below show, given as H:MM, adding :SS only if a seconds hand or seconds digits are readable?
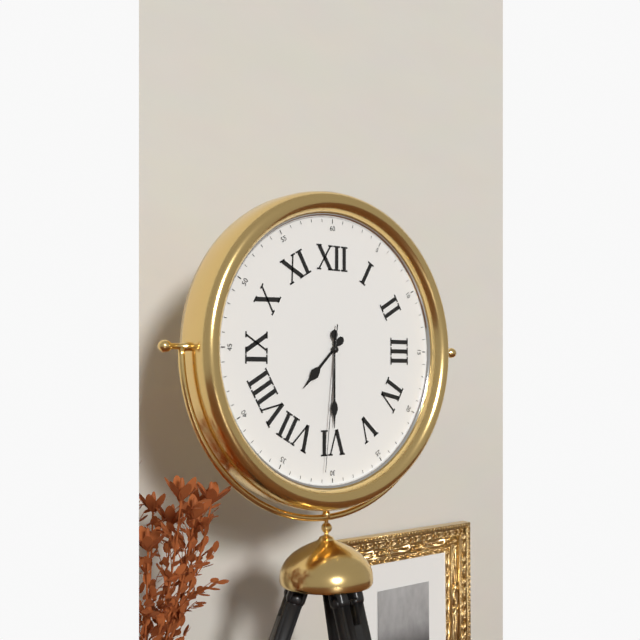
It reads 7:30:31
